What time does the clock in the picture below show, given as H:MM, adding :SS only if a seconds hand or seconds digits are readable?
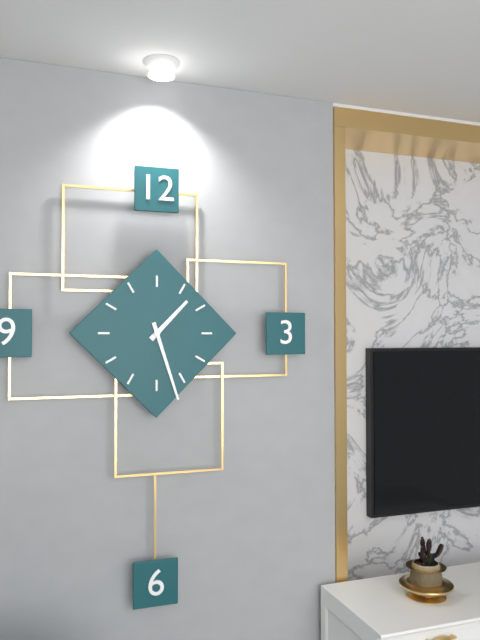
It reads 1:27
